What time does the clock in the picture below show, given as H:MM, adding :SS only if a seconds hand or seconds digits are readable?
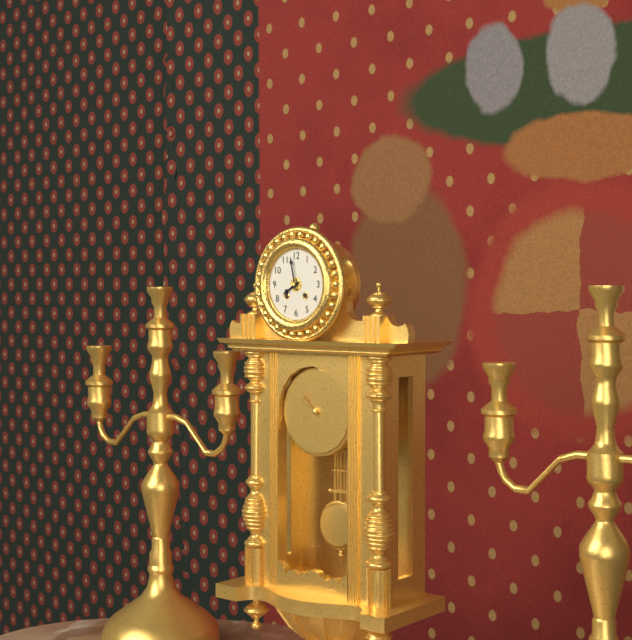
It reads 7:58
